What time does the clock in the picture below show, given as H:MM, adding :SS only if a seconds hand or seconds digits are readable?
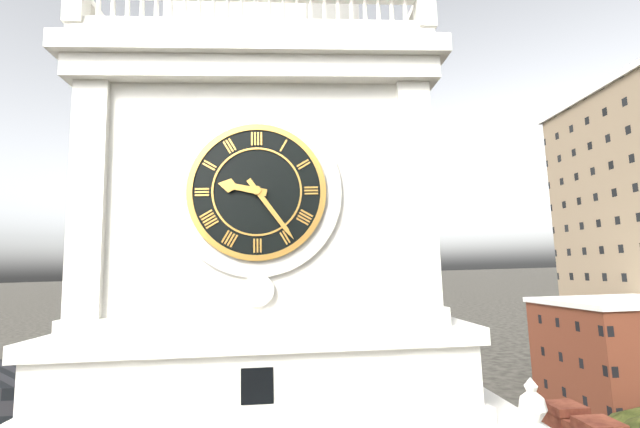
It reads 9:24
